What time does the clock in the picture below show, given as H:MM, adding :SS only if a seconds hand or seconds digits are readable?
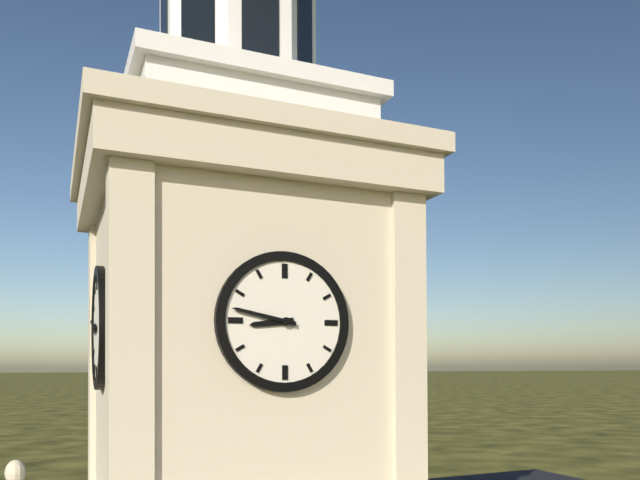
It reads 8:47
